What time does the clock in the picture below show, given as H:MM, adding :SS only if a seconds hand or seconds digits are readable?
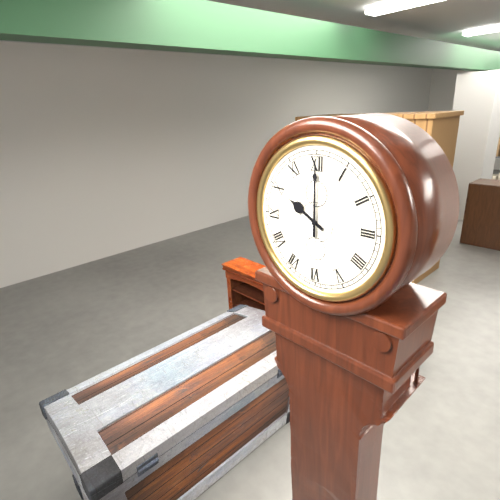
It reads 10:00
